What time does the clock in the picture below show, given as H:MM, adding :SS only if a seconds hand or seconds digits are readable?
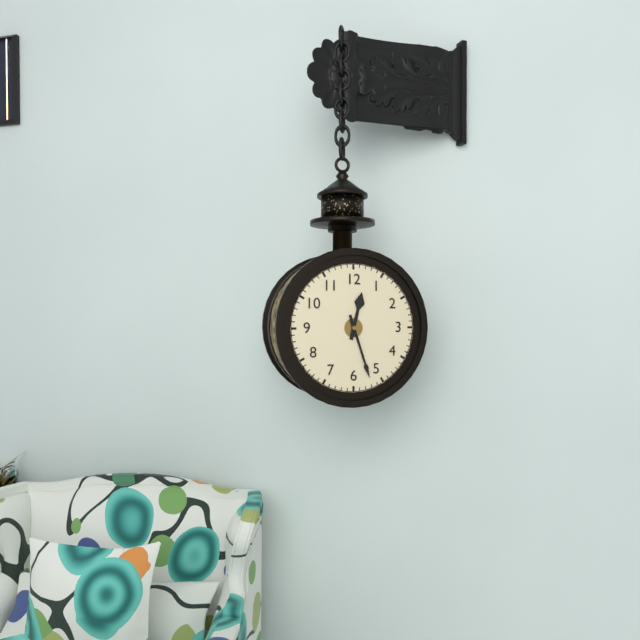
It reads 12:27
